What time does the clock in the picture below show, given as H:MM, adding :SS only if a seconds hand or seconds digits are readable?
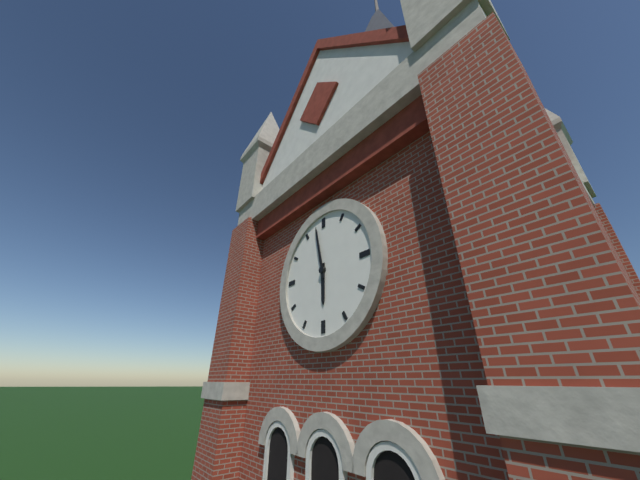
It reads 5:58
